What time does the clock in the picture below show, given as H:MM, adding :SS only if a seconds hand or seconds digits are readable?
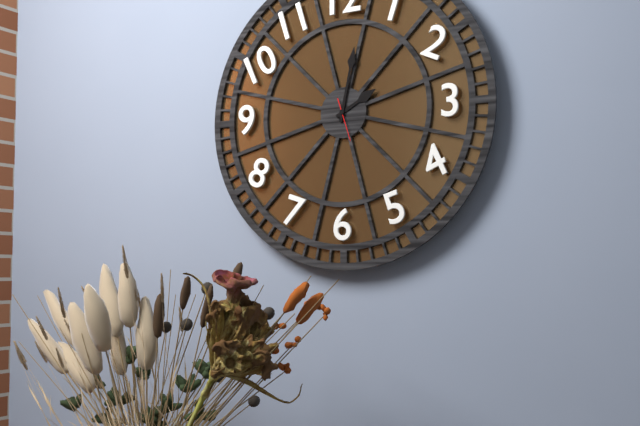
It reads 2:02
